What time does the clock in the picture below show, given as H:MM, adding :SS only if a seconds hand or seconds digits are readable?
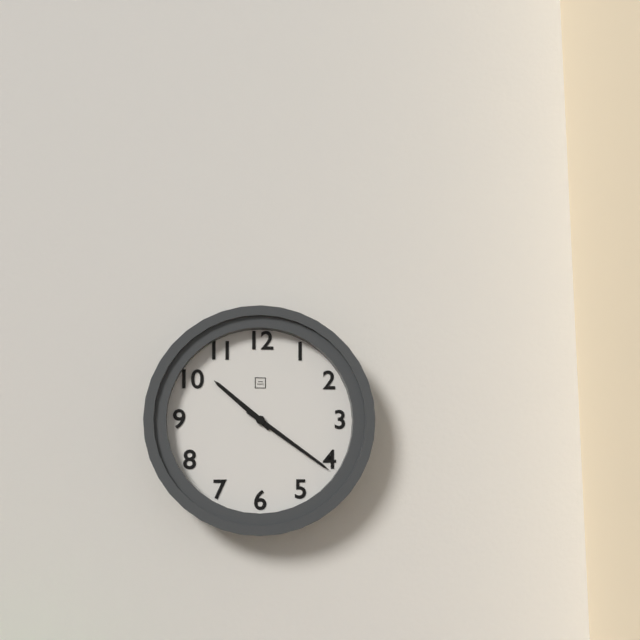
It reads 10:21
